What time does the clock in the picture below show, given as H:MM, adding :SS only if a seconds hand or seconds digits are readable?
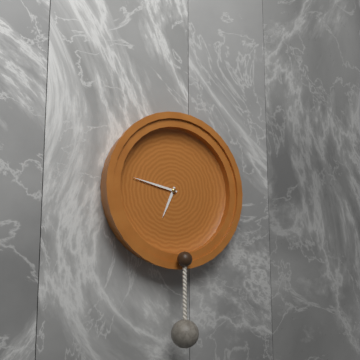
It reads 6:47
